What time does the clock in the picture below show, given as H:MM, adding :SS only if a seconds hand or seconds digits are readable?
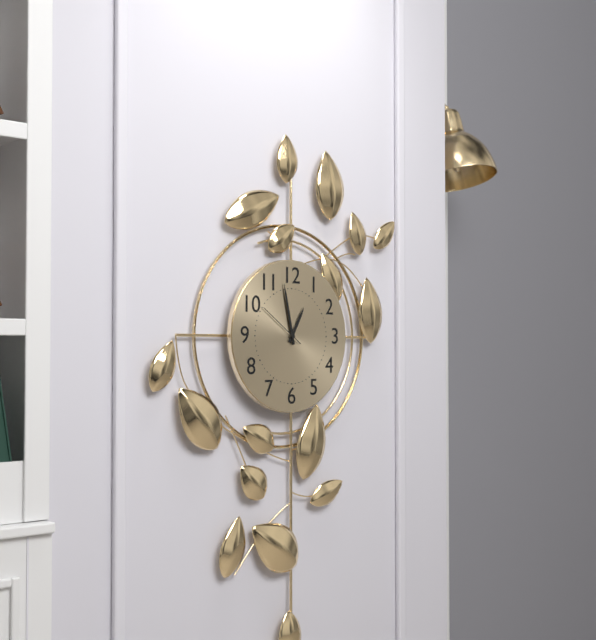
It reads 12:58:51
